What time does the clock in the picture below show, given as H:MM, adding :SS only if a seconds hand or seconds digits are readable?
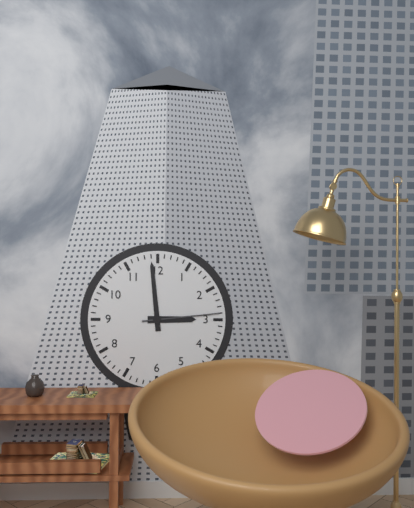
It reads 2:59:14
